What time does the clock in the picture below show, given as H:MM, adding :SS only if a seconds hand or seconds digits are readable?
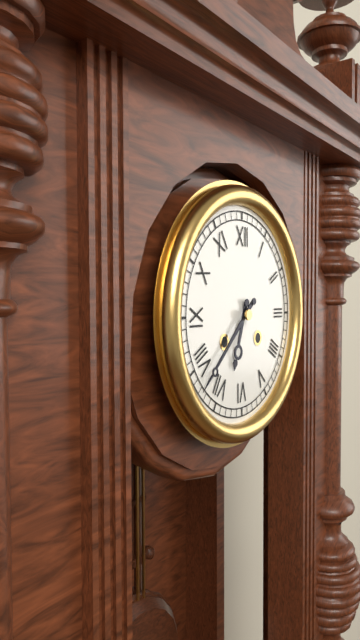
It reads 6:38
